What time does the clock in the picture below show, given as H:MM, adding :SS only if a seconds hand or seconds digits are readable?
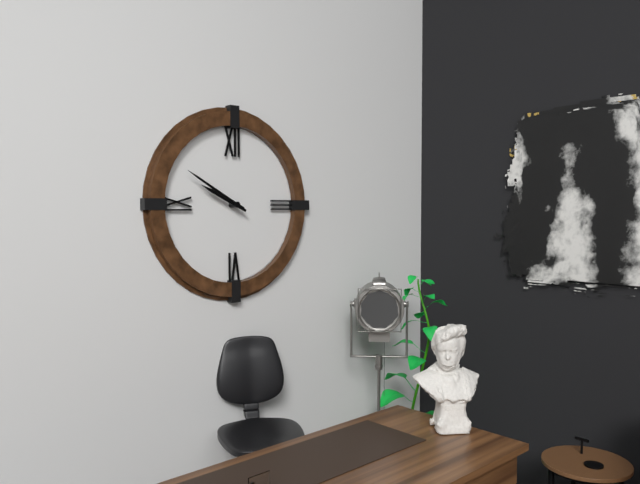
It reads 9:50
